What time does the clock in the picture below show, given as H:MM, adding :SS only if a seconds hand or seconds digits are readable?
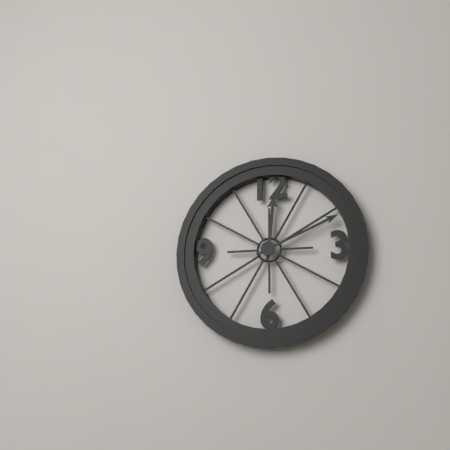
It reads 12:11
